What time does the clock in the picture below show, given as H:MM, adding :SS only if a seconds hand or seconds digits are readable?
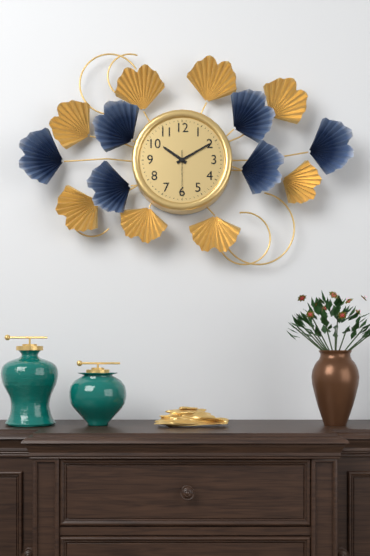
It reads 10:10
